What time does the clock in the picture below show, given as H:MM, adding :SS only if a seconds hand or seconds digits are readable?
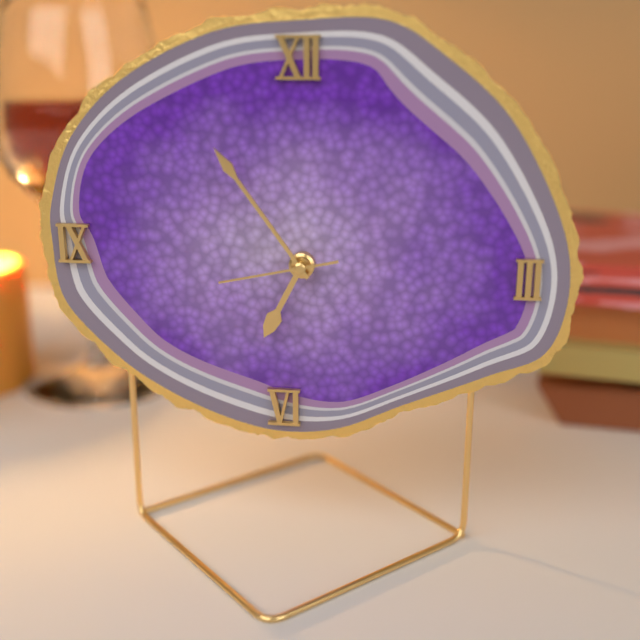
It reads 6:54:43
